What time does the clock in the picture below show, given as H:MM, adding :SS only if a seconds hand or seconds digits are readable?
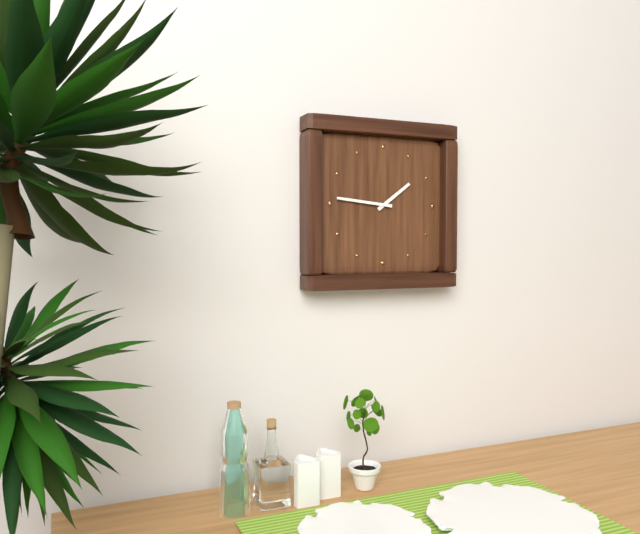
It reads 1:46
